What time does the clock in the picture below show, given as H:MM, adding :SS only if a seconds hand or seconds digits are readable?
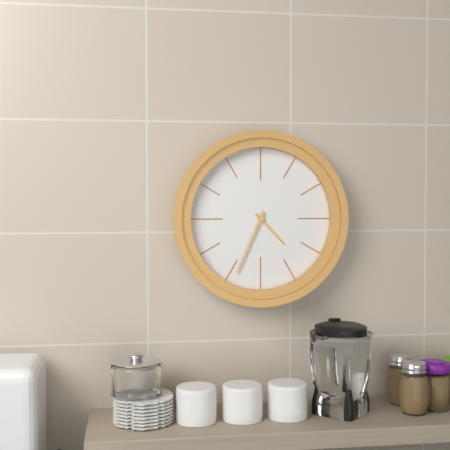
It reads 4:34
